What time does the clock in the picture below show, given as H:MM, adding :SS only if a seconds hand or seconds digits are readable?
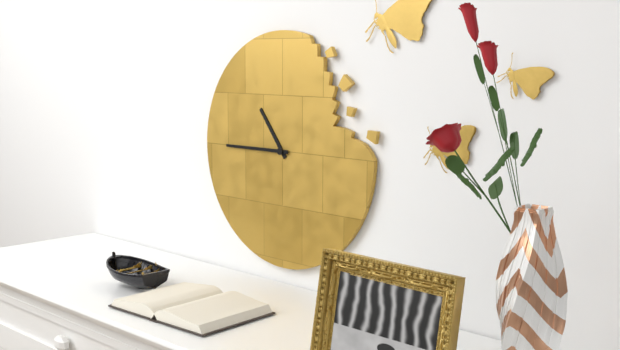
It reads 10:45
